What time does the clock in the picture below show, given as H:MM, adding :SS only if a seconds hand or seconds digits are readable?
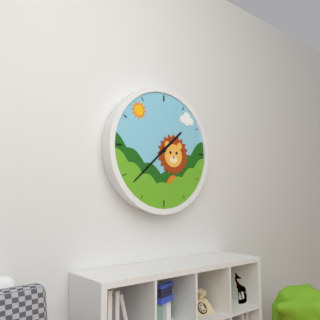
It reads 1:38
